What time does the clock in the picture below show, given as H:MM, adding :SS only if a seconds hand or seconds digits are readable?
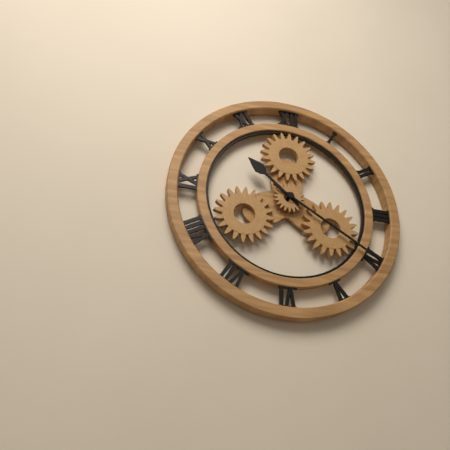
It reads 10:20
